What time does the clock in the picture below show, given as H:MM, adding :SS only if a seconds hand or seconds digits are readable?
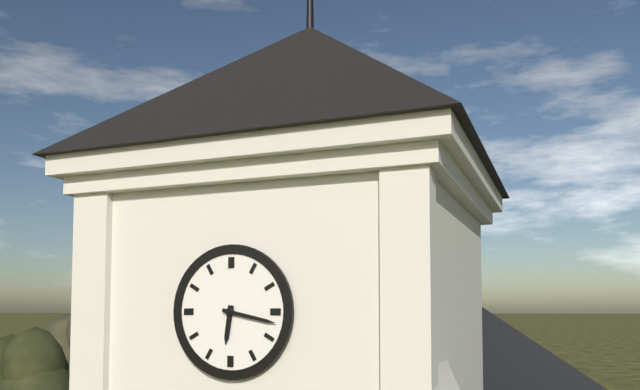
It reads 6:17
